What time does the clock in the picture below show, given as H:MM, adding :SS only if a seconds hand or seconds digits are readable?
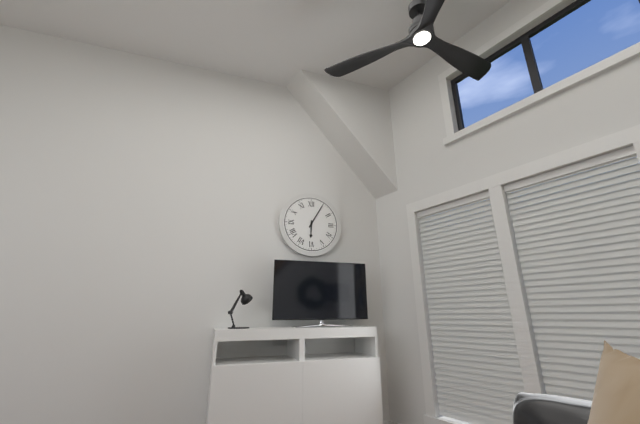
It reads 6:05
